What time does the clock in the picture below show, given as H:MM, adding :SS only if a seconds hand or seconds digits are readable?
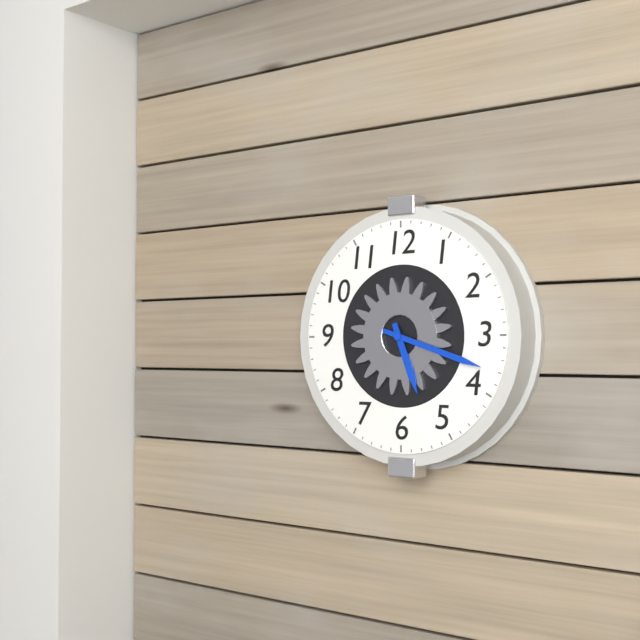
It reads 5:18
